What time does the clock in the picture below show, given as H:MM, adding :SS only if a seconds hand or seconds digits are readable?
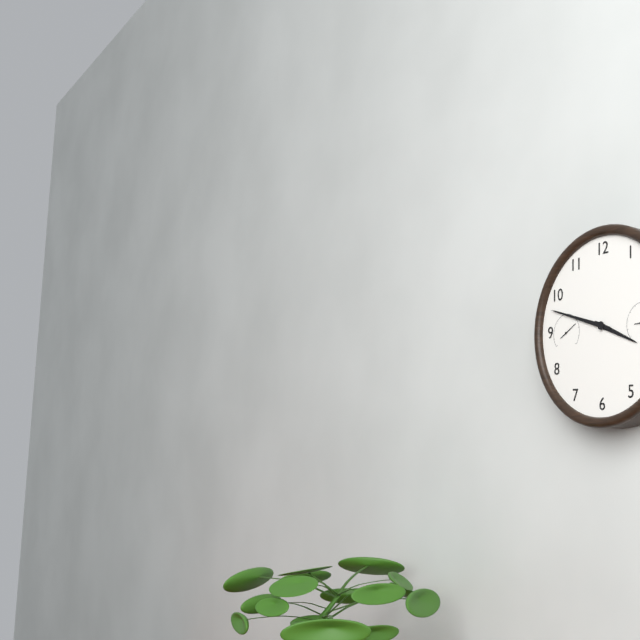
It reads 3:48
